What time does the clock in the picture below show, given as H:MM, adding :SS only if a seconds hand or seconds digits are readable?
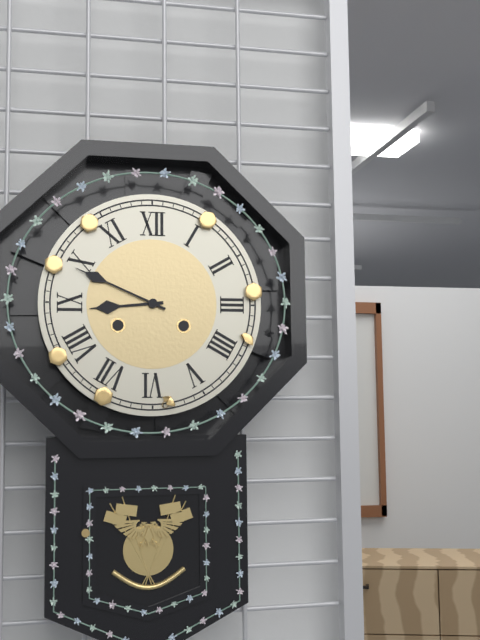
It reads 8:49
